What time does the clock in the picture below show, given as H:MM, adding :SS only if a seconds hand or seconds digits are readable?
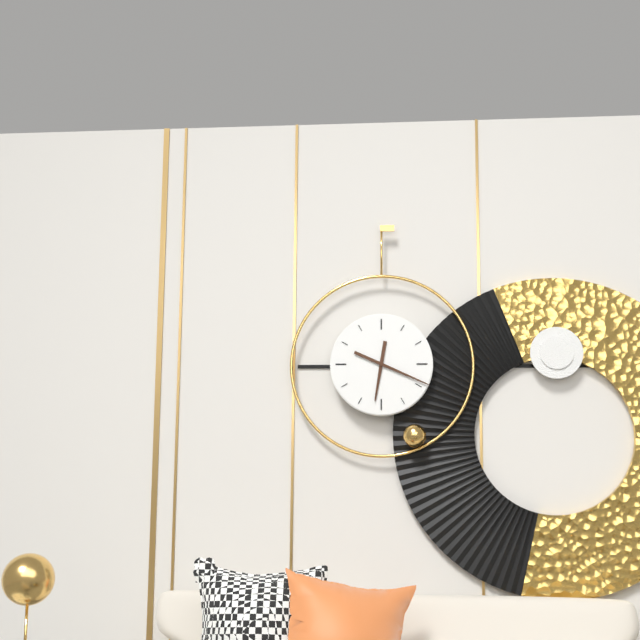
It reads 6:19
